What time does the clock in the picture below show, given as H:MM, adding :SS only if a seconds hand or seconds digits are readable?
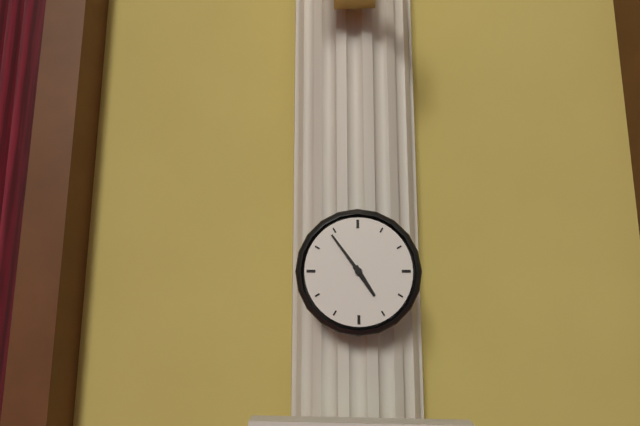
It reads 4:54
